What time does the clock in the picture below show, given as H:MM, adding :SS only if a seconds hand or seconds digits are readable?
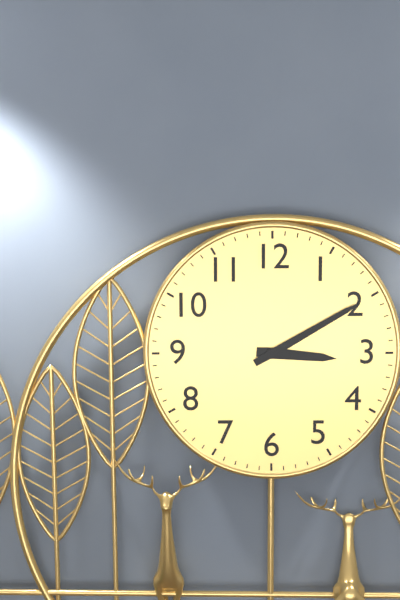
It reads 3:10
